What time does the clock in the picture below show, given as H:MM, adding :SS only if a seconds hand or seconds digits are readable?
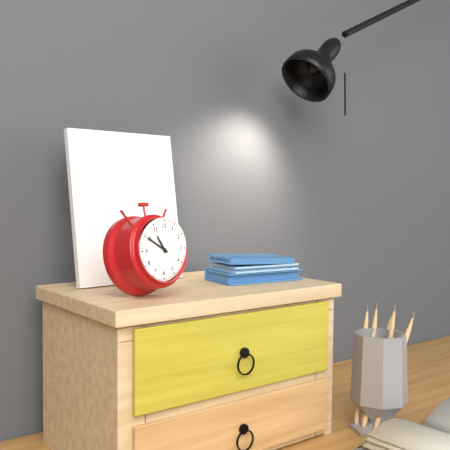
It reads 10:50
